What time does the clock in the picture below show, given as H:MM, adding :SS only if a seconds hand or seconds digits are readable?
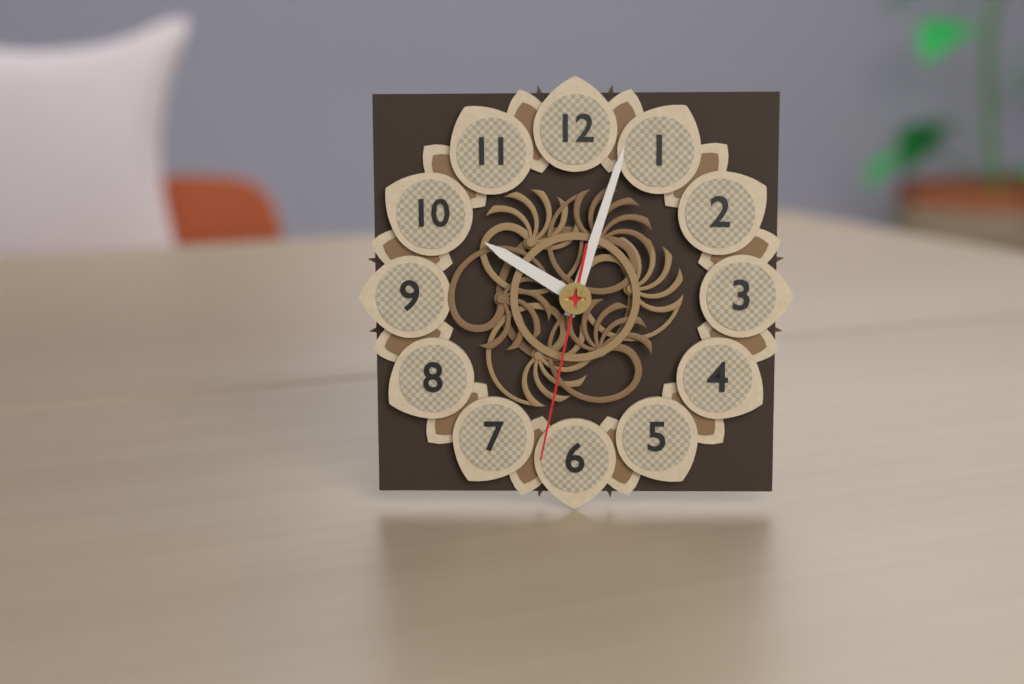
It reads 10:03:32
